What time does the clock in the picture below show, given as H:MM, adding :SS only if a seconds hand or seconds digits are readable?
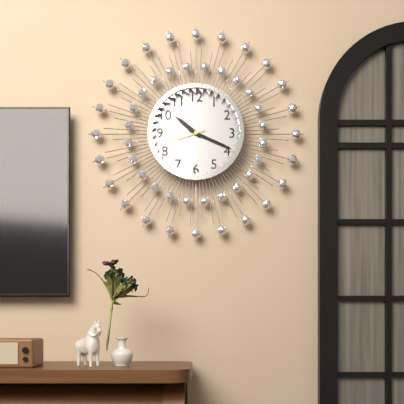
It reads 10:19
